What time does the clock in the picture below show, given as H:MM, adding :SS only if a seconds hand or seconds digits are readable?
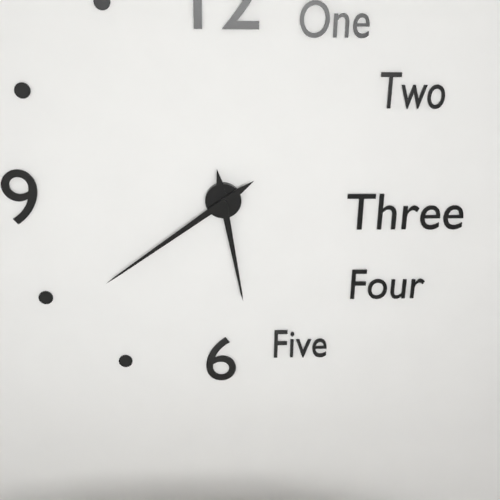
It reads 5:39
